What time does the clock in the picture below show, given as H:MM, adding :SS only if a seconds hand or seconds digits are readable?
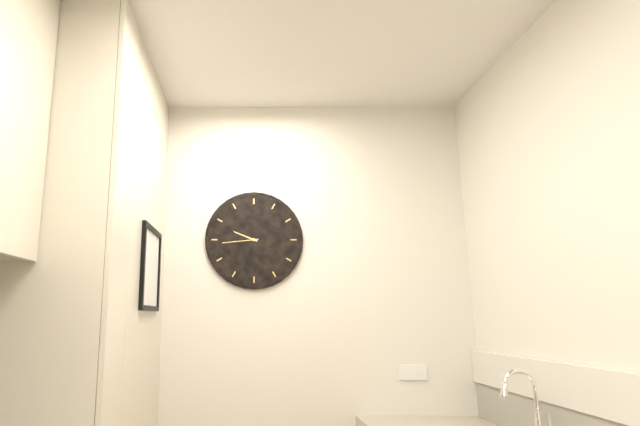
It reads 9:44
